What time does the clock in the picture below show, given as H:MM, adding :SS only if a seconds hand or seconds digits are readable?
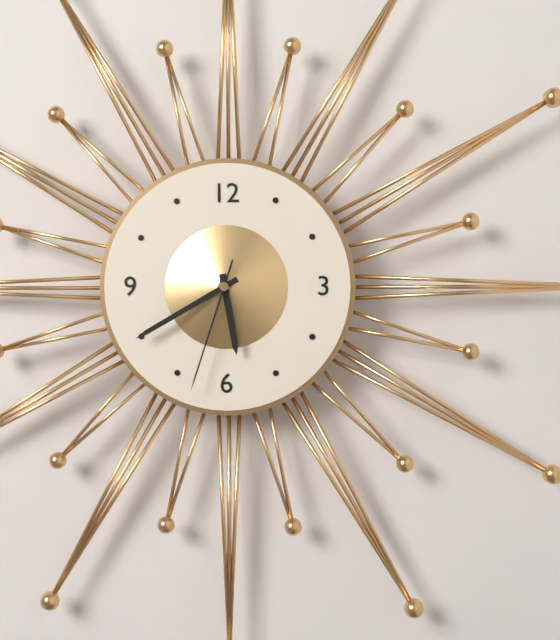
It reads 5:40:33
